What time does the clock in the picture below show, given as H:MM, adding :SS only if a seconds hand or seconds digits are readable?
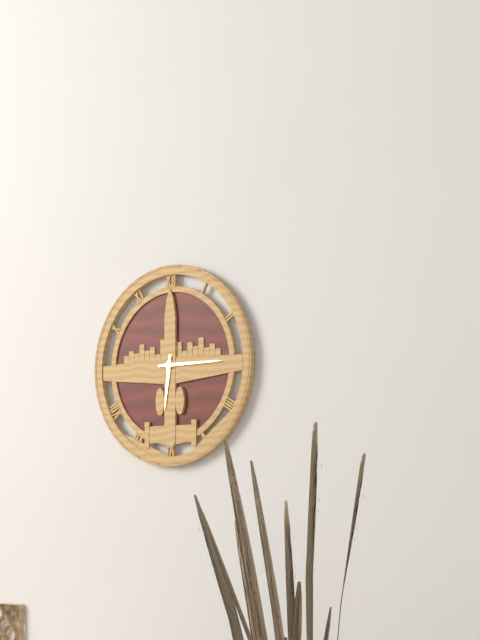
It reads 6:15
